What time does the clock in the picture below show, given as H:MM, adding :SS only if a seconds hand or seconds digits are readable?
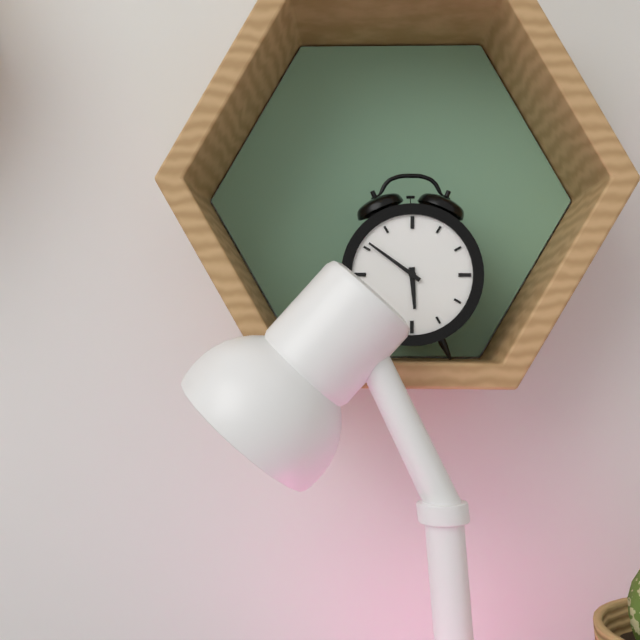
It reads 5:51
